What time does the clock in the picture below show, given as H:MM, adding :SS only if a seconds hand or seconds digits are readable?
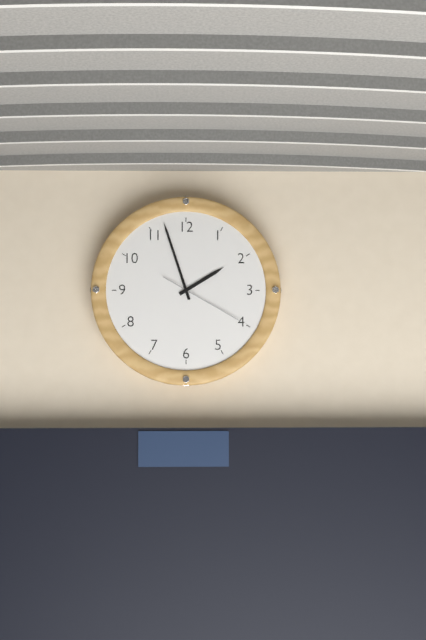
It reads 1:57:20
